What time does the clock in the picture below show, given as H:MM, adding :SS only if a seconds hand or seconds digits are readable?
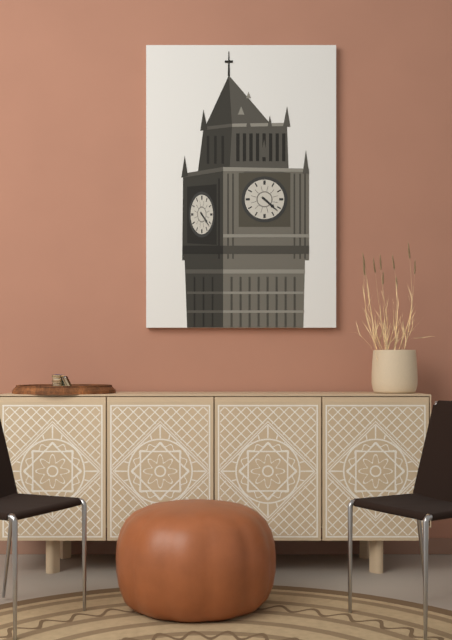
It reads 4:22
